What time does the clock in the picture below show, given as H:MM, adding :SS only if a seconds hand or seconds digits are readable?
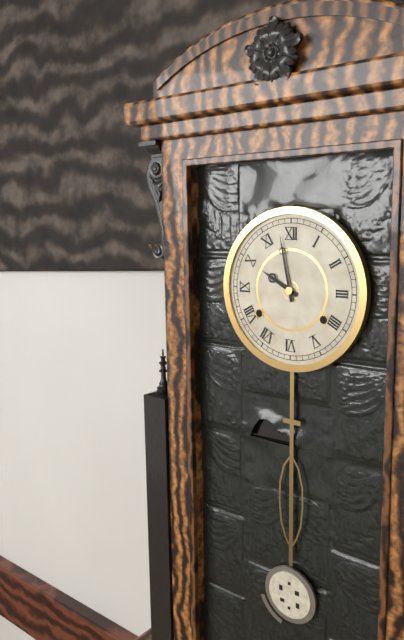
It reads 9:58
